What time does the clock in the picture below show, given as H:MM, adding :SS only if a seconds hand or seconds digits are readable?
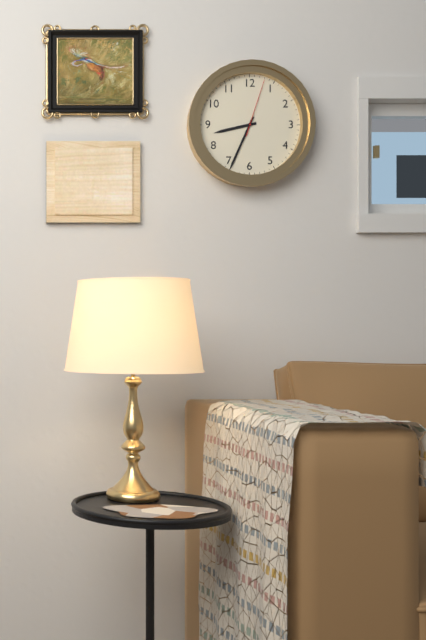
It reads 8:34:03
